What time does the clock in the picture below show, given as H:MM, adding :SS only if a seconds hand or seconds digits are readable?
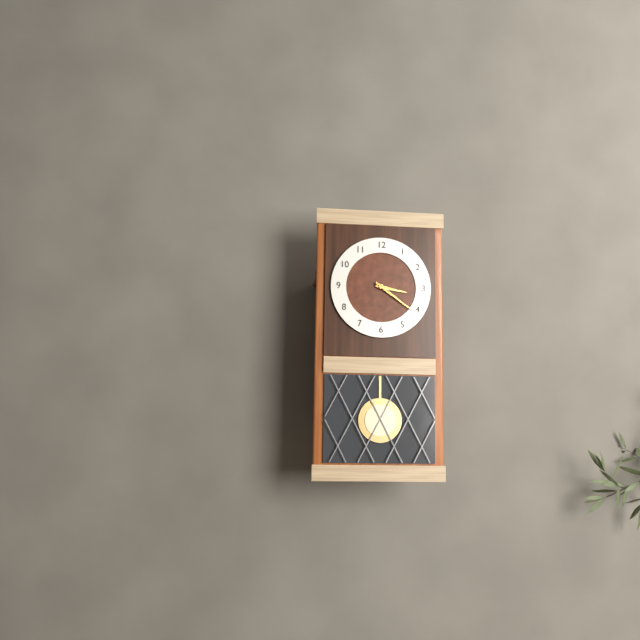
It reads 3:21
